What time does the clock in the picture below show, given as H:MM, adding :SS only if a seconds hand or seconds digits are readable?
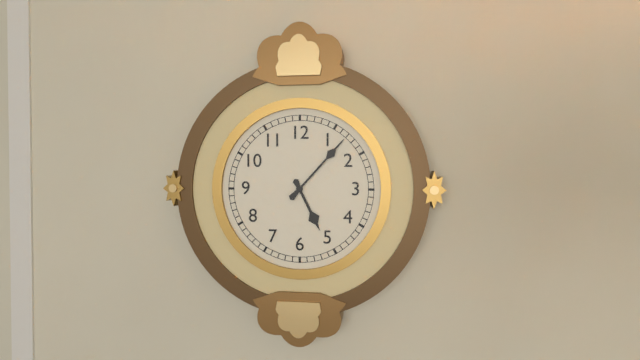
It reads 5:07
